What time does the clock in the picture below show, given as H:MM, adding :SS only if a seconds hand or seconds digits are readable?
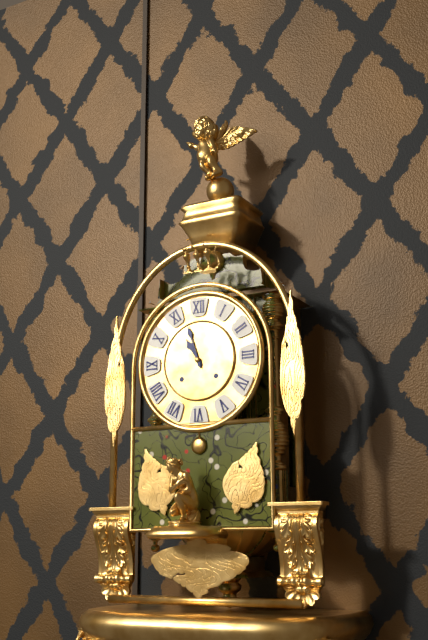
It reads 10:57
